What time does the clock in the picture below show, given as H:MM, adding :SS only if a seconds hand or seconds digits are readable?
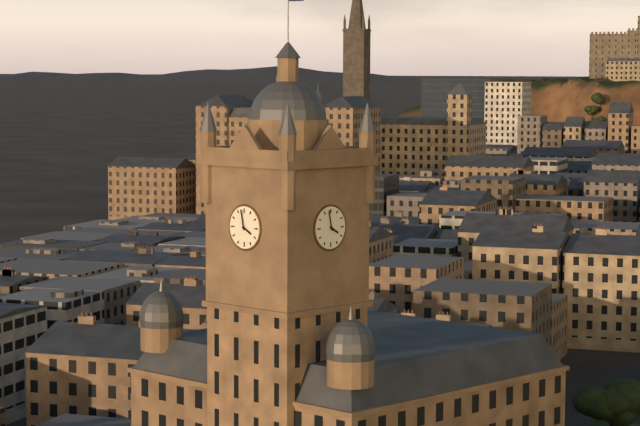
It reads 3:58
